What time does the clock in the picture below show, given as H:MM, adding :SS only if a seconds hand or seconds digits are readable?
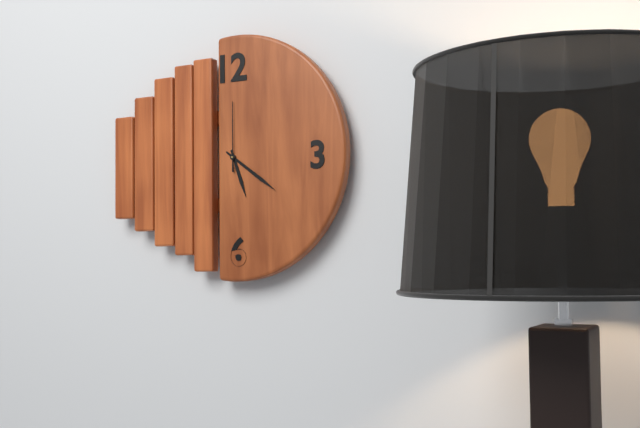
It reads 5:21:00
